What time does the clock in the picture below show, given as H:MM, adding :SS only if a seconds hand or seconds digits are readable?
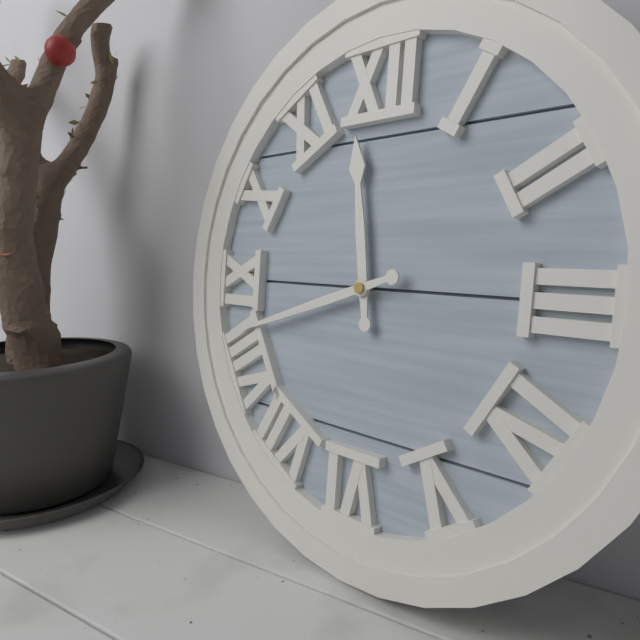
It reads 11:42
